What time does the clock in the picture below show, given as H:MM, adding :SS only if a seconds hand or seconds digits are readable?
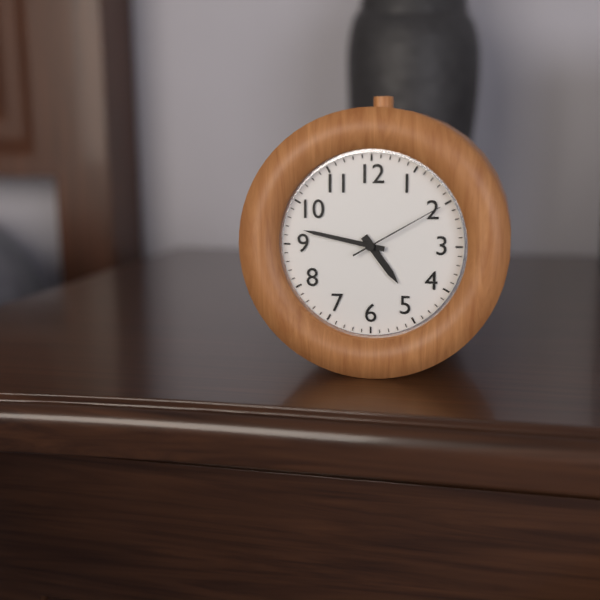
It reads 4:47:10
